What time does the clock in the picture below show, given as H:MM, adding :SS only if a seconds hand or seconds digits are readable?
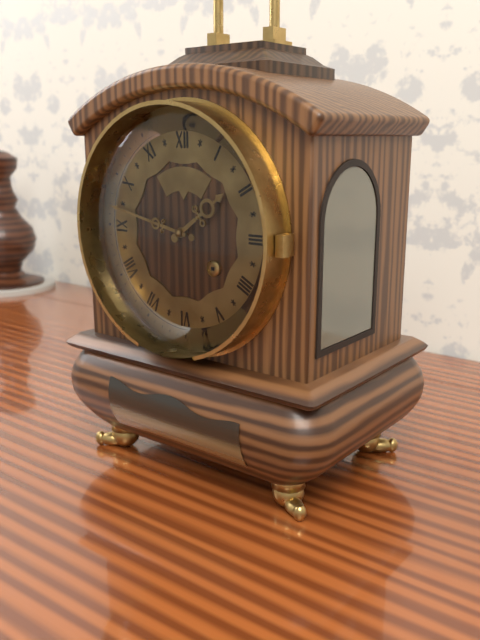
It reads 1:47
